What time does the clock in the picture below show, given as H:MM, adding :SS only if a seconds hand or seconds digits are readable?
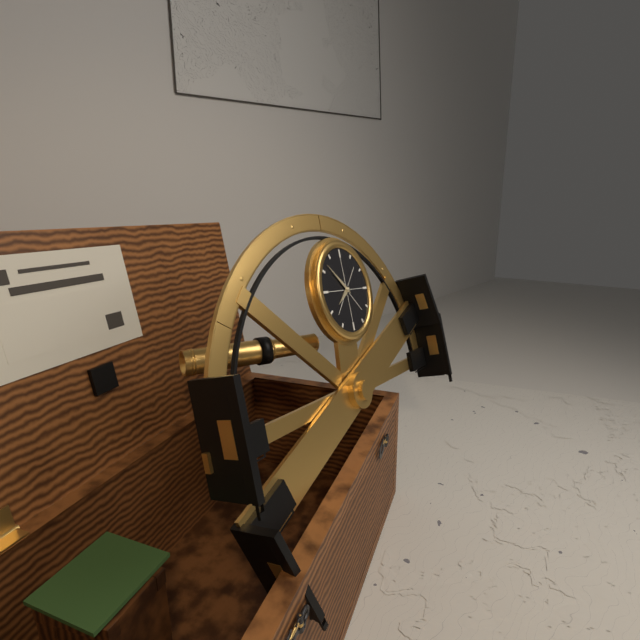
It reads 7:52
